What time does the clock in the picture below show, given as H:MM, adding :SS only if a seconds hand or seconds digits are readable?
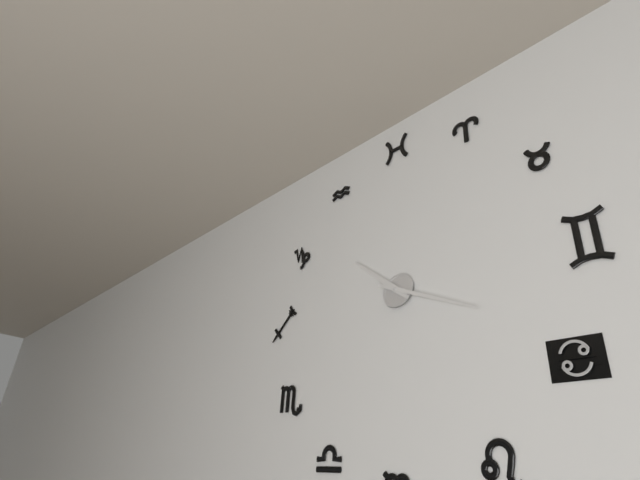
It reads 10:19
